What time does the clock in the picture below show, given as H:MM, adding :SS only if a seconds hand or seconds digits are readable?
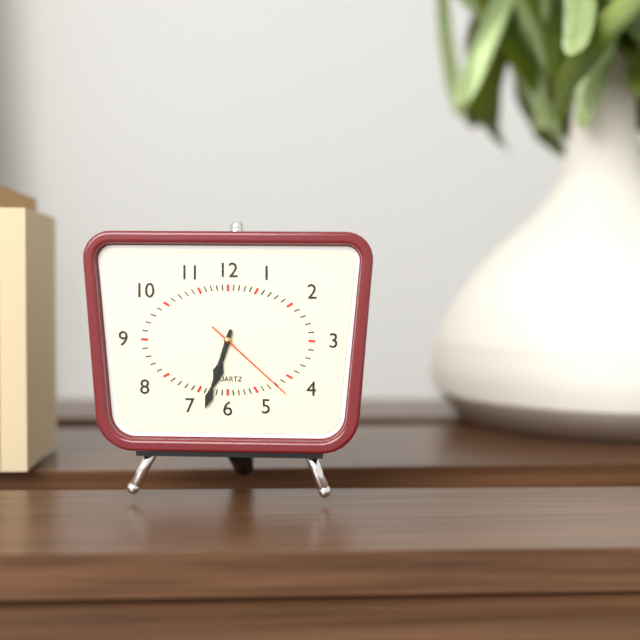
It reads 6:33:22
